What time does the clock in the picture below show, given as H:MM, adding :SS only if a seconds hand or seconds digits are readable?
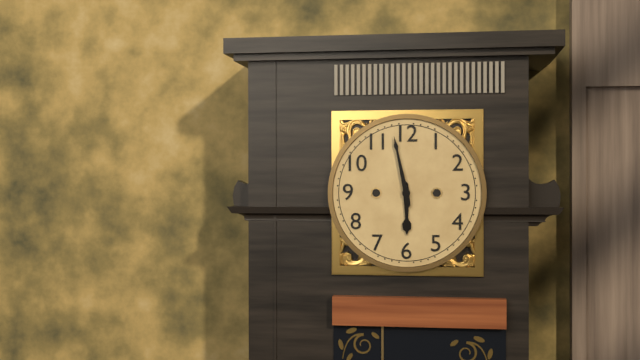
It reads 5:58
